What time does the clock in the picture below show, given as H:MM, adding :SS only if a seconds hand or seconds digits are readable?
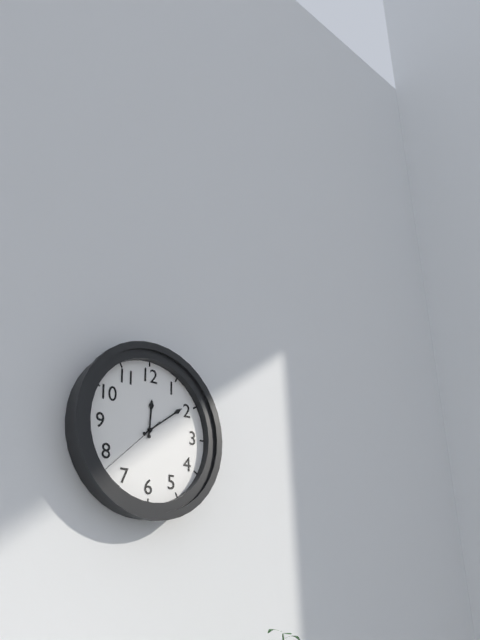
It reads 12:09:38
